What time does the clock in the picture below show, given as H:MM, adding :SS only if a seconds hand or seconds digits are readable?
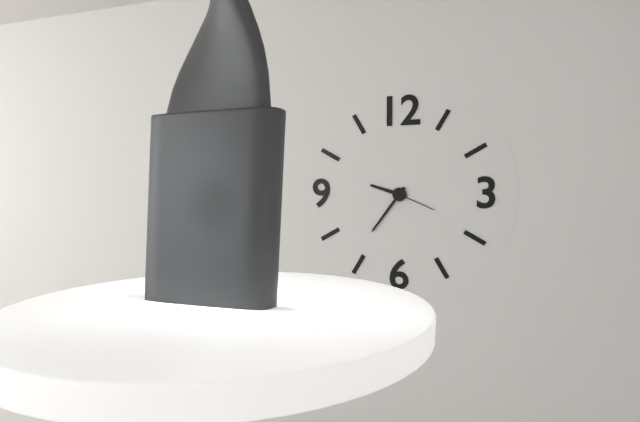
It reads 9:36
